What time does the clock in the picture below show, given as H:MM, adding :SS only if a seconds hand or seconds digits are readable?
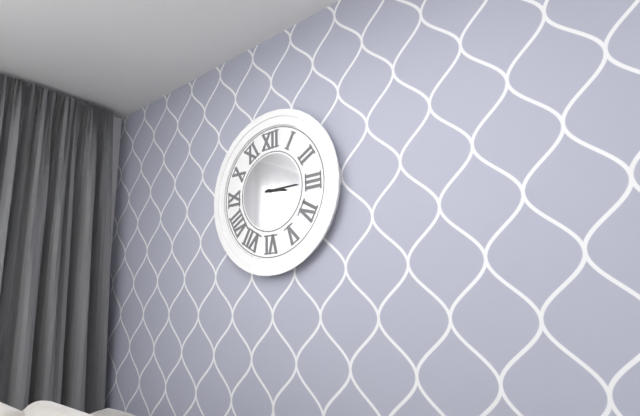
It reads 3:15
